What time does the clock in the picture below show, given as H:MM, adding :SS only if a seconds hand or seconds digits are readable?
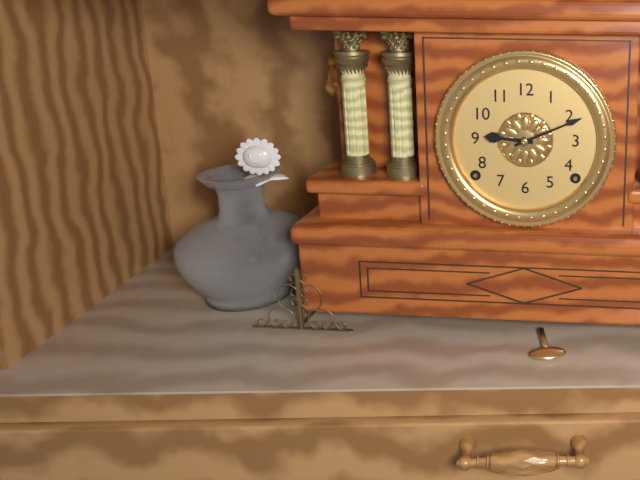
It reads 9:11
